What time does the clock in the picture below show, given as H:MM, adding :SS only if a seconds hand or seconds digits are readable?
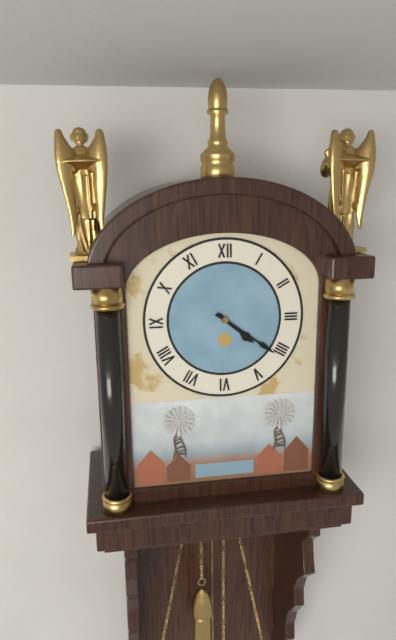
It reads 4:21
